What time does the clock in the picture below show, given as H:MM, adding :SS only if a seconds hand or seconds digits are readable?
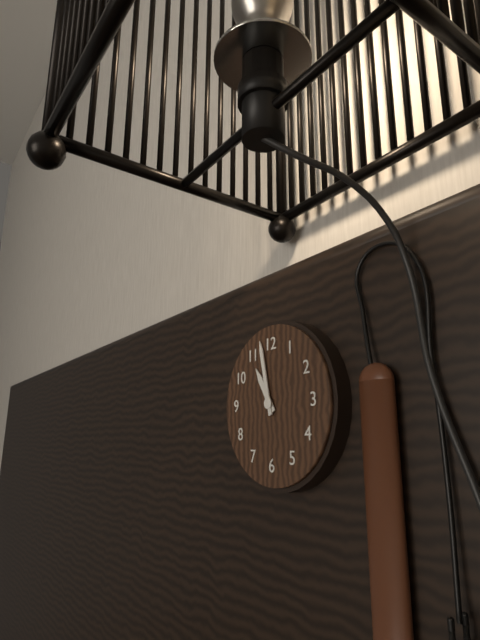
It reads 10:58
